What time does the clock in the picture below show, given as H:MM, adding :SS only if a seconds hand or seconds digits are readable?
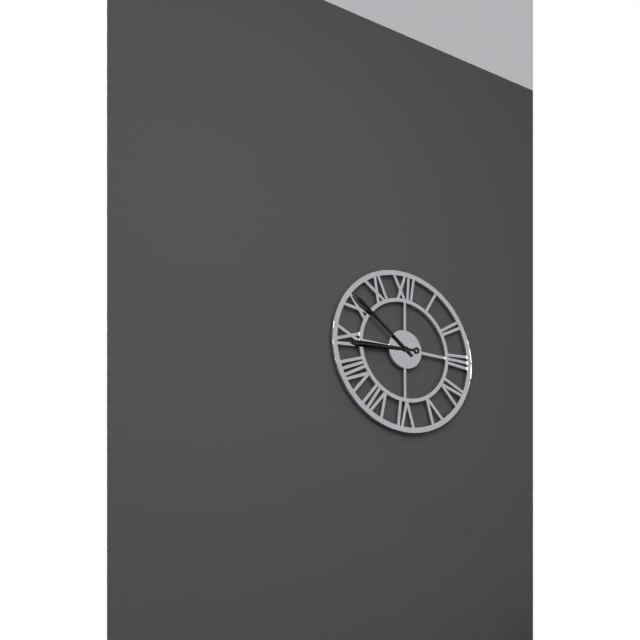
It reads 8:51
